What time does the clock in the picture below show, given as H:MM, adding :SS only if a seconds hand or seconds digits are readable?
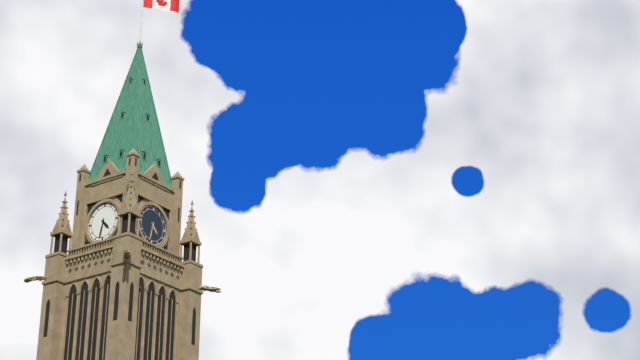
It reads 4:32
